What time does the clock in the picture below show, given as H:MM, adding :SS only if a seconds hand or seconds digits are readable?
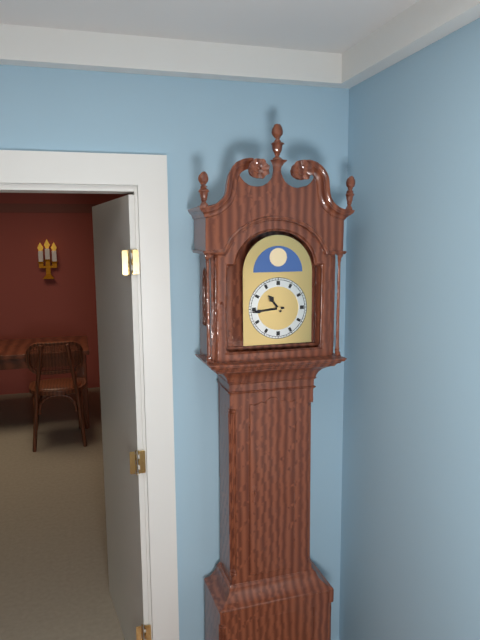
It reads 10:44
